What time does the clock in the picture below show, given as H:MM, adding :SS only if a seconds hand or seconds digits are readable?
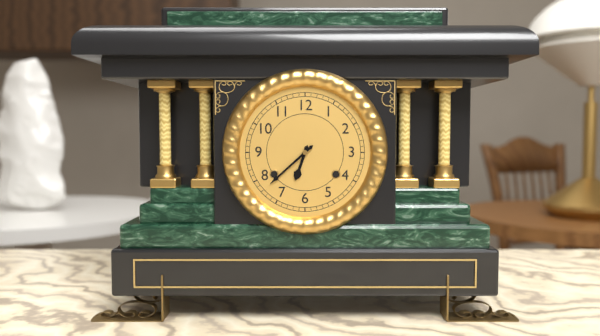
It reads 6:38
